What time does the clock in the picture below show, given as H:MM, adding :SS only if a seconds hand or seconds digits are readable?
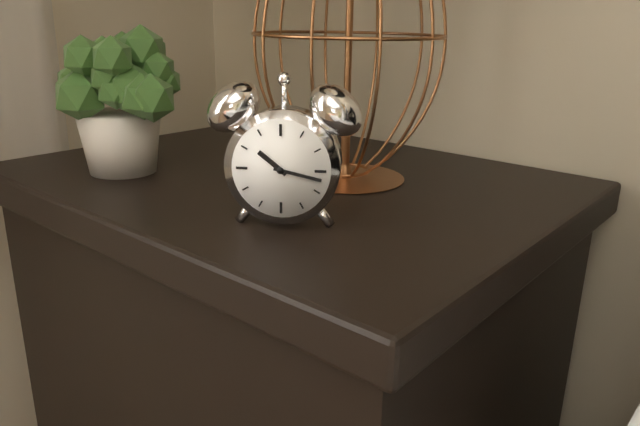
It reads 10:17
